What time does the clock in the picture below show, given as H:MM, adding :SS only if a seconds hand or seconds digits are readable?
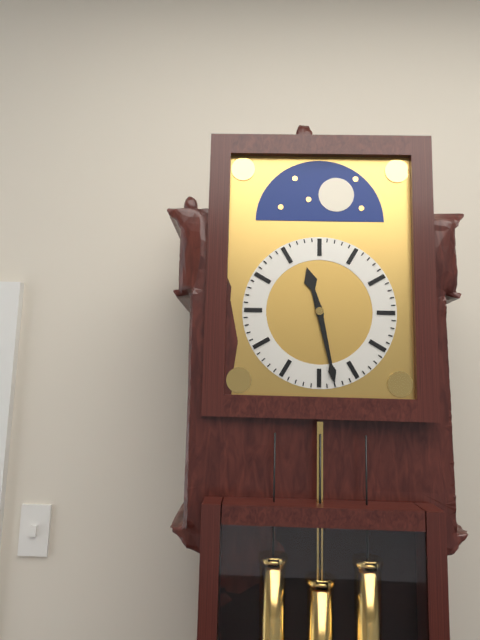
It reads 11:28
